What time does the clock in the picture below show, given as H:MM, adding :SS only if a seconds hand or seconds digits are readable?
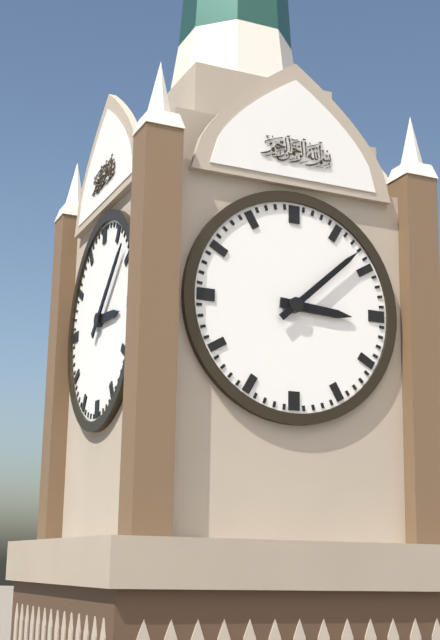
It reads 3:08
